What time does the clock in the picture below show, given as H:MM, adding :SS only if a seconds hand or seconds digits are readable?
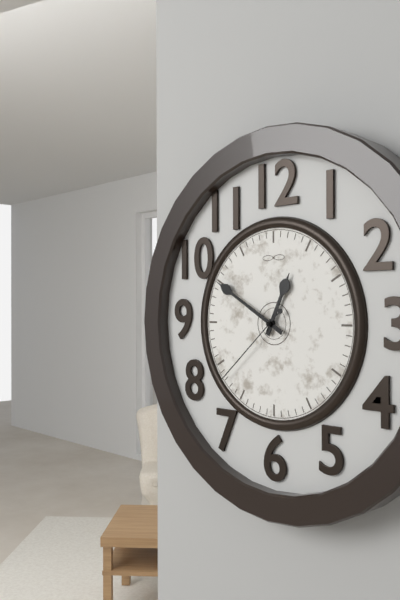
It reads 12:50:38
